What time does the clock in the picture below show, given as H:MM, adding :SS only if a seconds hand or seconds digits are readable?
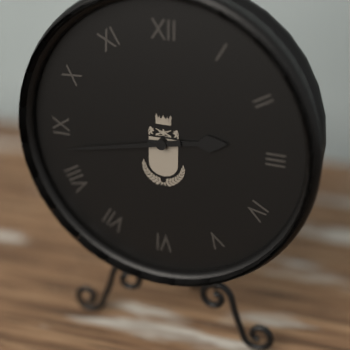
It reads 2:43
